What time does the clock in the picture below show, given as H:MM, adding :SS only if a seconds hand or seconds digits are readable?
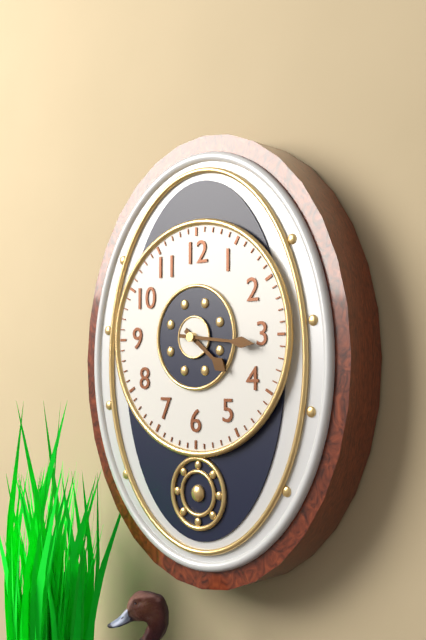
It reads 4:16
